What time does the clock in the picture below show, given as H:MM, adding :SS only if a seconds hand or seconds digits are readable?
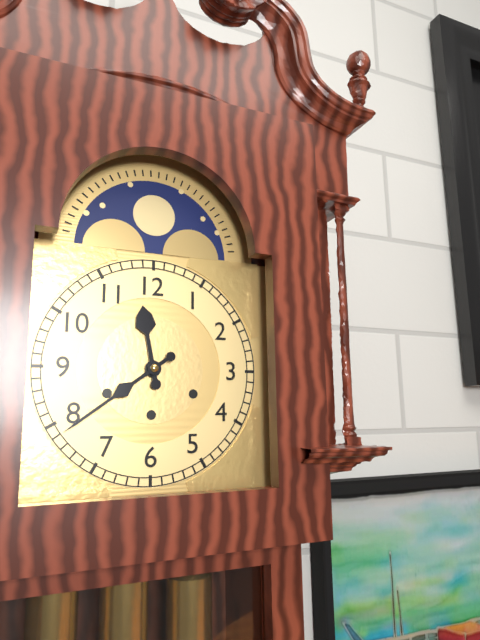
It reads 11:39
